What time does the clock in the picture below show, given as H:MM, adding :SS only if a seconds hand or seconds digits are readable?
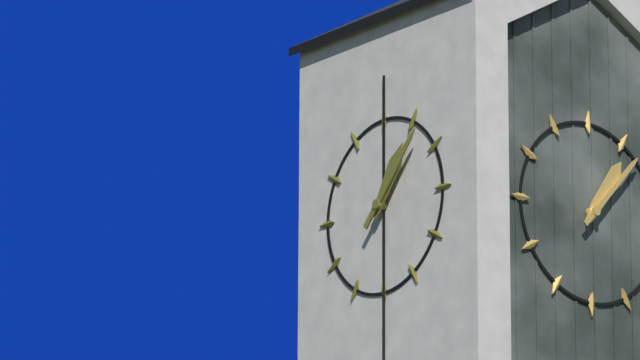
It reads 1:07
